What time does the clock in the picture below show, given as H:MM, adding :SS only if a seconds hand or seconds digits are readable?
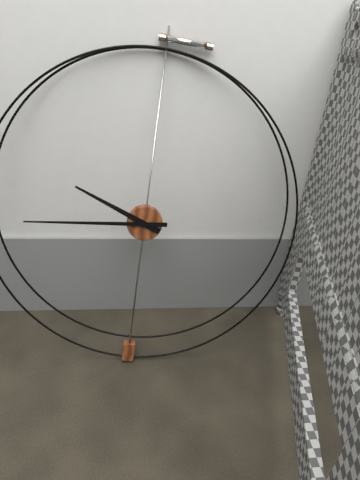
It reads 9:44
